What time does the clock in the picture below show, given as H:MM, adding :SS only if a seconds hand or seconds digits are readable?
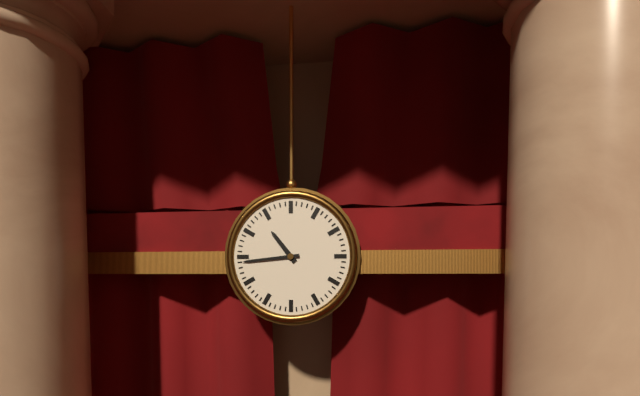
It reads 10:44
